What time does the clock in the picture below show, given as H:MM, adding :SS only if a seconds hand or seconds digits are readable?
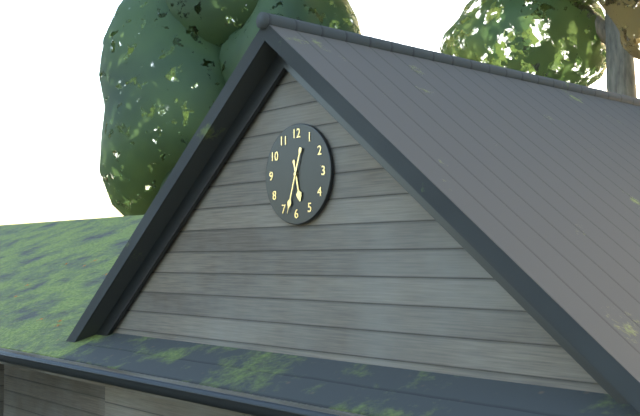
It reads 5:33
